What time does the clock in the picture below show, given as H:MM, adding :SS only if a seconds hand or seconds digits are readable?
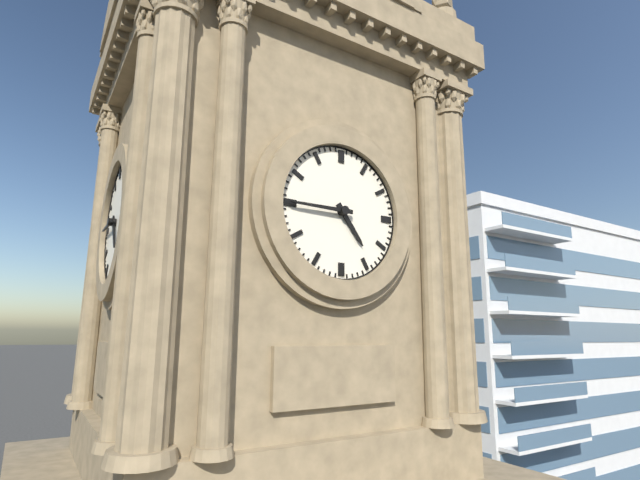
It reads 4:45
